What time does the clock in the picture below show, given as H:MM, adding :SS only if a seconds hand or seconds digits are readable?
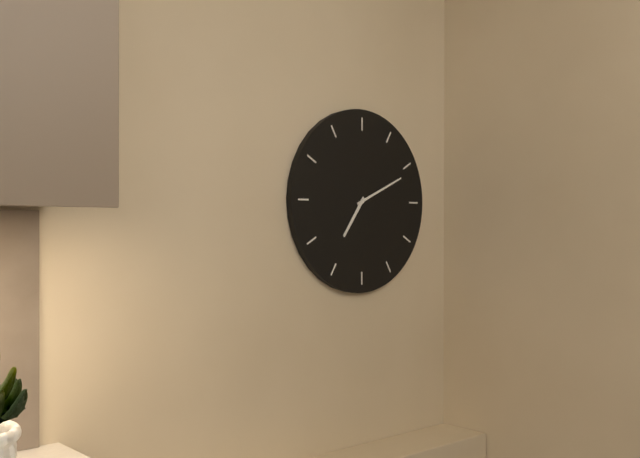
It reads 7:11
